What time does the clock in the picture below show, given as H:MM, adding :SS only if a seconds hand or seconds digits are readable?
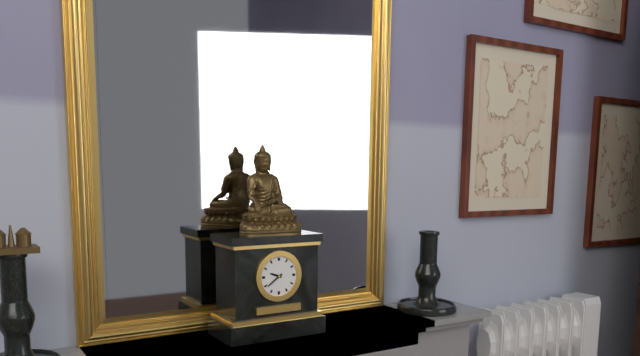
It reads 9:39
